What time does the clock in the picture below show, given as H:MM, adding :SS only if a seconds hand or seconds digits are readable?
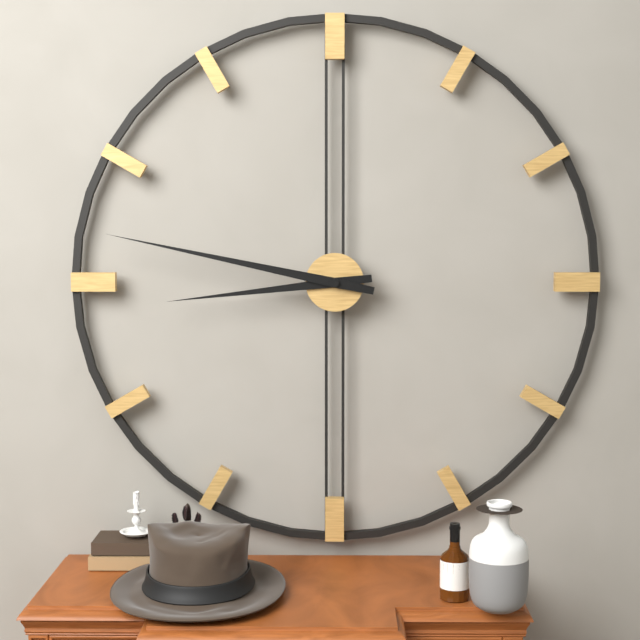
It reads 8:47
